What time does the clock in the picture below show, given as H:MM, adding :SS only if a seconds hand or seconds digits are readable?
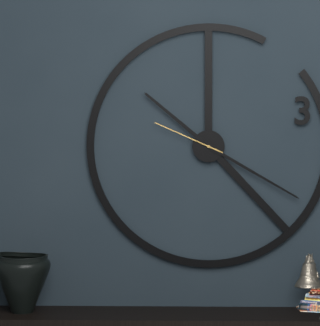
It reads 10:20:49
